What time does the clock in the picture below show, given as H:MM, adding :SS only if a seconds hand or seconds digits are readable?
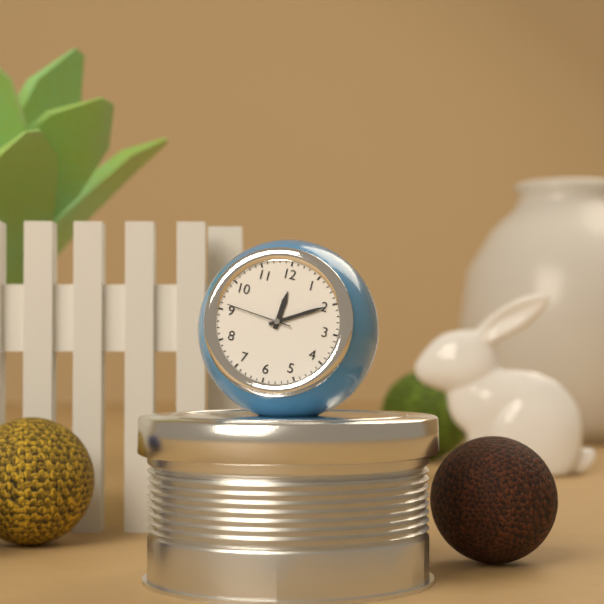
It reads 12:10:46
